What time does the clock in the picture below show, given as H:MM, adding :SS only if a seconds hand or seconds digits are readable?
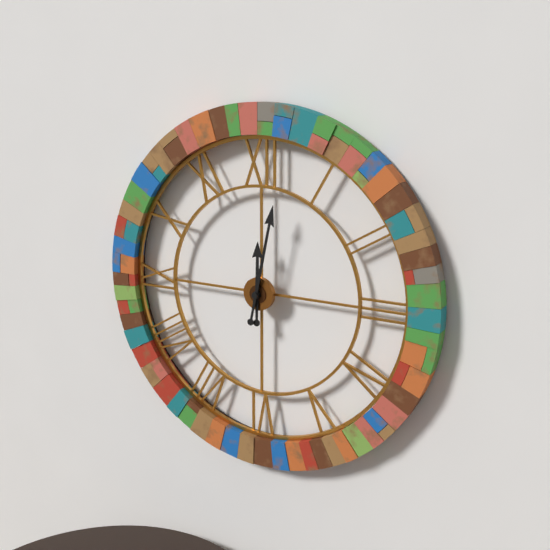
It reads 12:02
